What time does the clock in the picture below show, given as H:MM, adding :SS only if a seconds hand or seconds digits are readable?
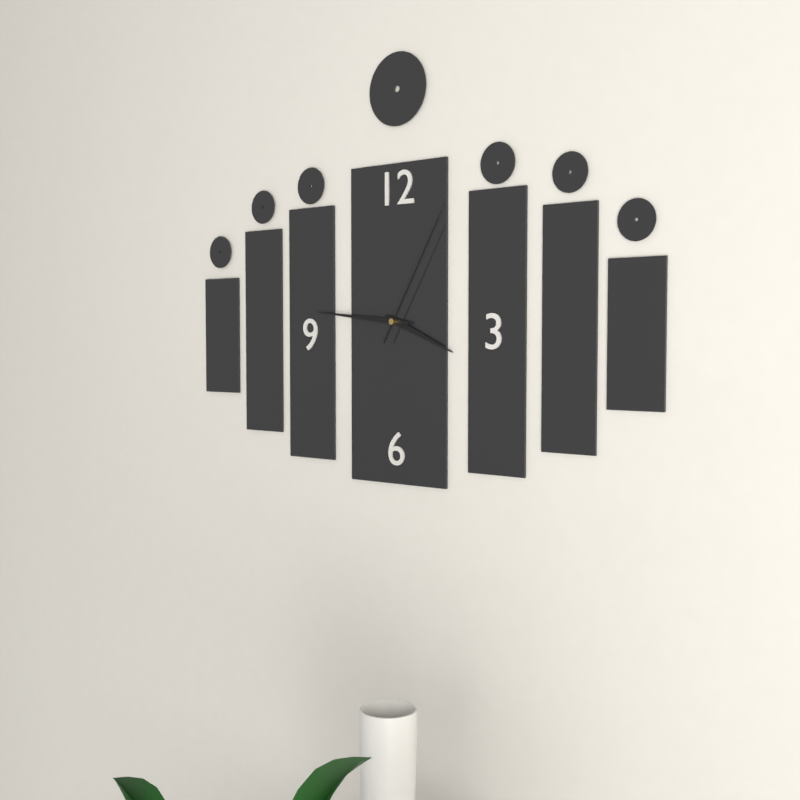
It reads 3:46:05
